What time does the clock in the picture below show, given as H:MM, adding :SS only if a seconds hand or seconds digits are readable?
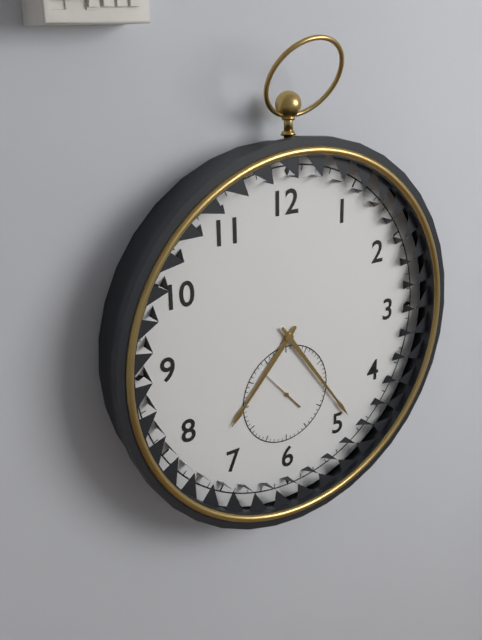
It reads 7:24
